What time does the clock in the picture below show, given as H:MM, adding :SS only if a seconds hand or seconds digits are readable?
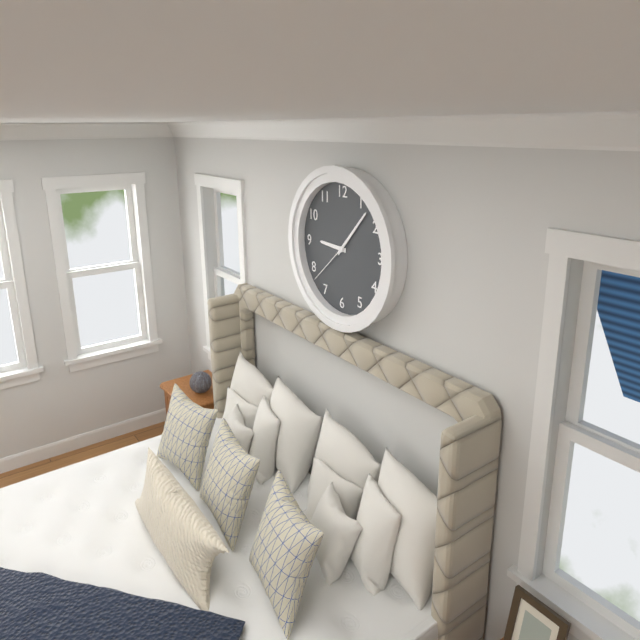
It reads 9:07:38
